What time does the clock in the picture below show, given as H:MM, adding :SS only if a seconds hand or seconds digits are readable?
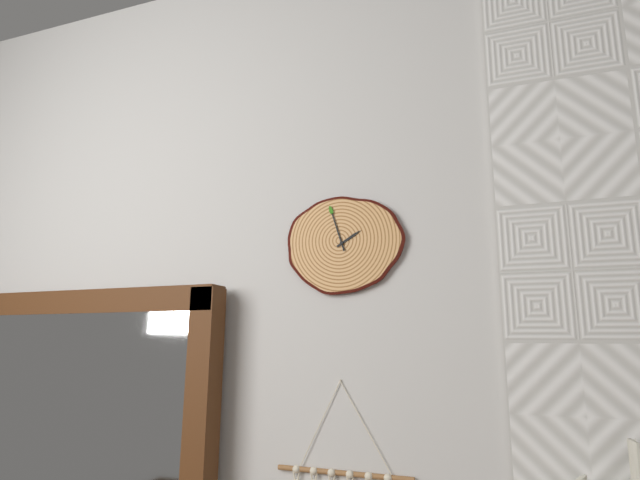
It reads 1:57
